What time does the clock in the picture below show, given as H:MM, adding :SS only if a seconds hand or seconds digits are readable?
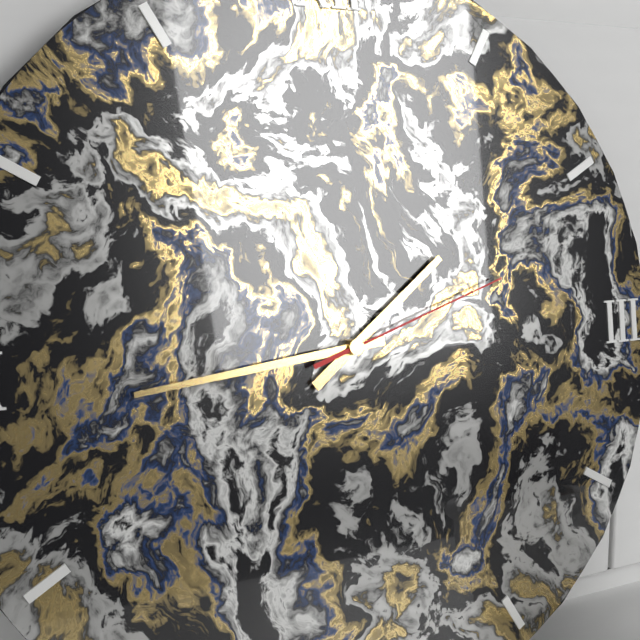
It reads 1:44:12
